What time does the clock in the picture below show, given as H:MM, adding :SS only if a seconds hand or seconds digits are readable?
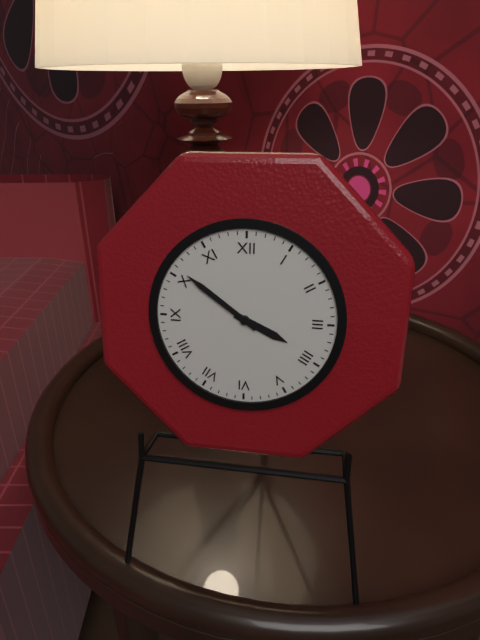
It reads 3:51
